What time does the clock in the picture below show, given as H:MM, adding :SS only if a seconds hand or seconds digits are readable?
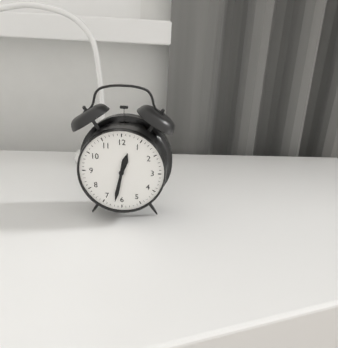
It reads 12:32
